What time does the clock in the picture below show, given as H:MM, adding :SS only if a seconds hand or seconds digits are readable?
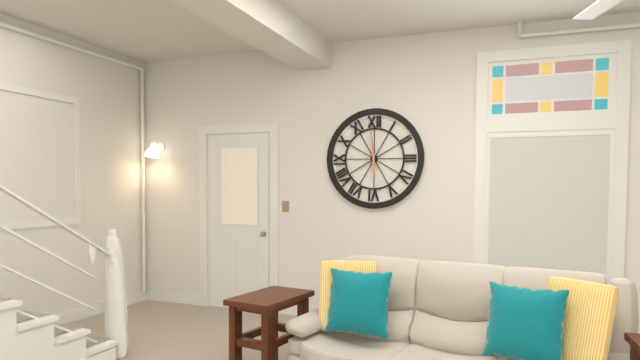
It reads 5:59
